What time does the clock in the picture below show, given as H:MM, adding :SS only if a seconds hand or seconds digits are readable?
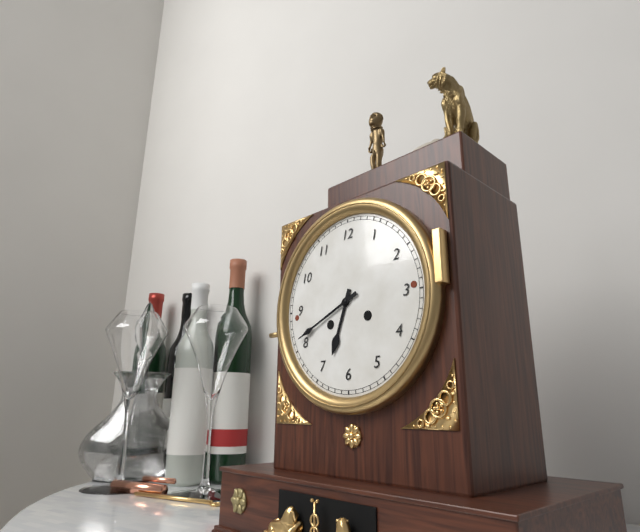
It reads 6:41
